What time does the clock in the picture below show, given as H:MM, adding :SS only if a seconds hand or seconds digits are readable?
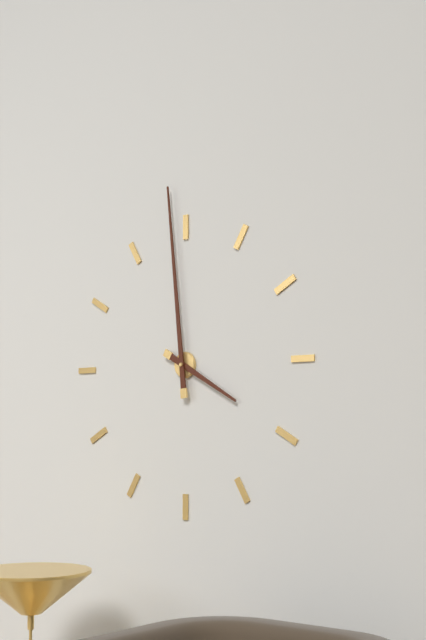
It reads 3:59
